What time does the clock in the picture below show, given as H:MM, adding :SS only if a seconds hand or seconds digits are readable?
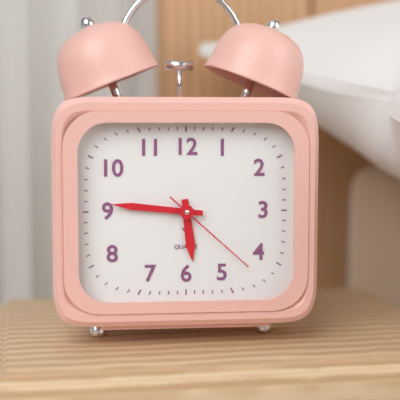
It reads 5:46:22
